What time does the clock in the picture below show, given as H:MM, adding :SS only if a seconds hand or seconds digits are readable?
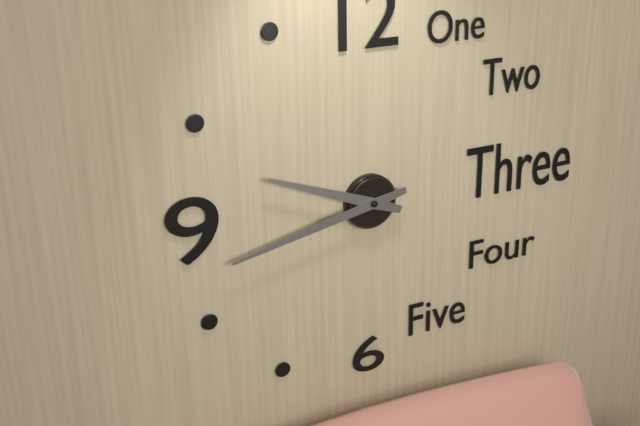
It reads 9:43
